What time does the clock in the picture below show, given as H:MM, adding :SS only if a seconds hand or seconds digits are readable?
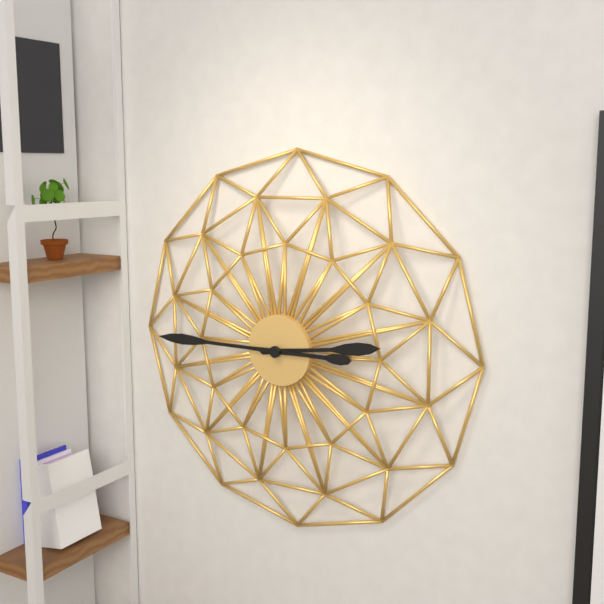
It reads 2:45
